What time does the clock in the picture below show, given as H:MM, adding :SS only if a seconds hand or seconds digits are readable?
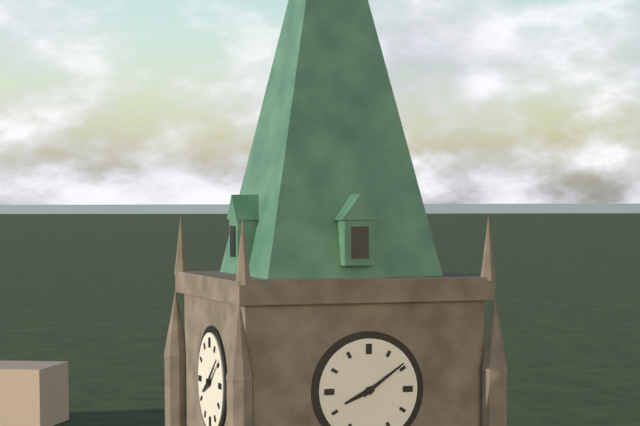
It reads 8:09
